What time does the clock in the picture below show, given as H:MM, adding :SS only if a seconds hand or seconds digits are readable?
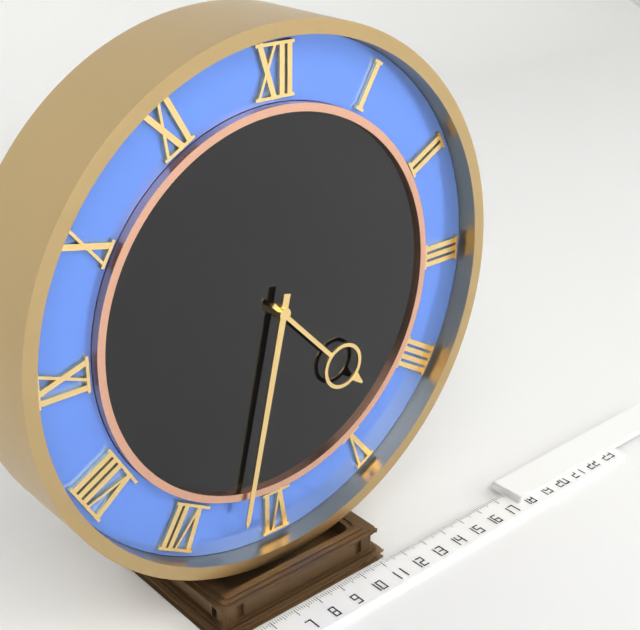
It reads 4:32
